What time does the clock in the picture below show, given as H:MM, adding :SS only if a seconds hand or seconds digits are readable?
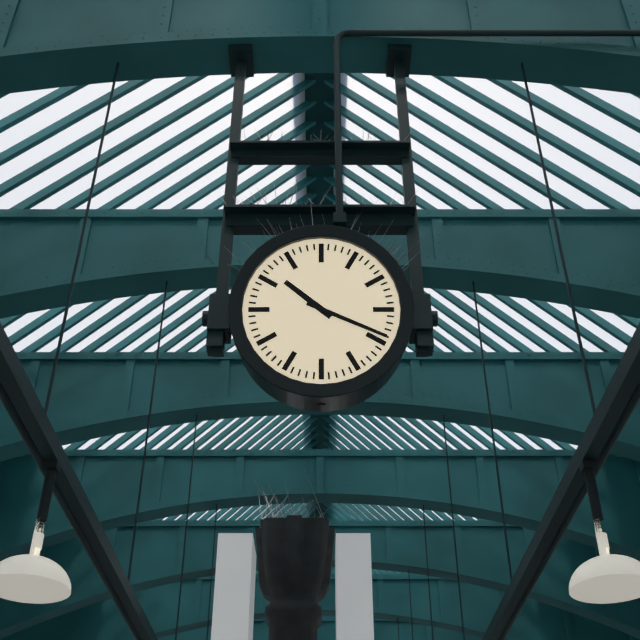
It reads 10:19
